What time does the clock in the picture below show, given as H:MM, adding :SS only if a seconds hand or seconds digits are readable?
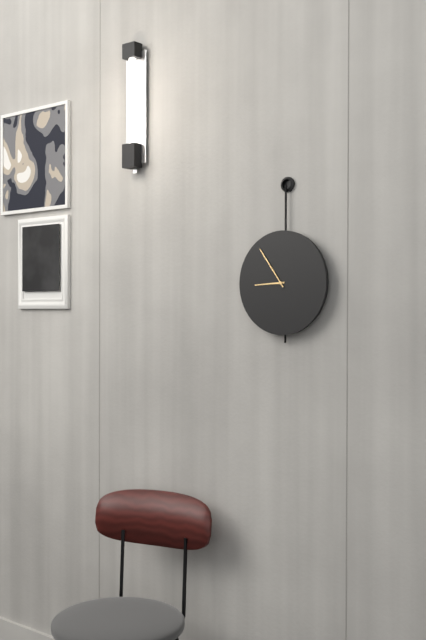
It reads 8:54
